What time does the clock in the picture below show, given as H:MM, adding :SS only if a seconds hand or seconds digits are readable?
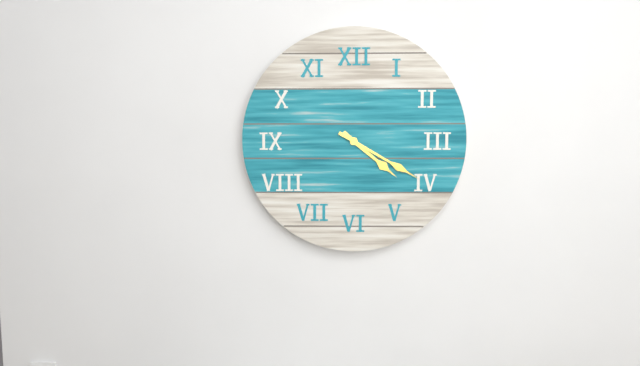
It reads 4:20
